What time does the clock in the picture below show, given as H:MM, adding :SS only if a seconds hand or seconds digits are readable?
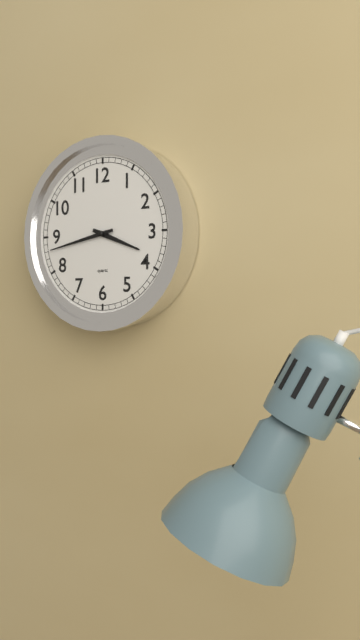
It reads 3:43
